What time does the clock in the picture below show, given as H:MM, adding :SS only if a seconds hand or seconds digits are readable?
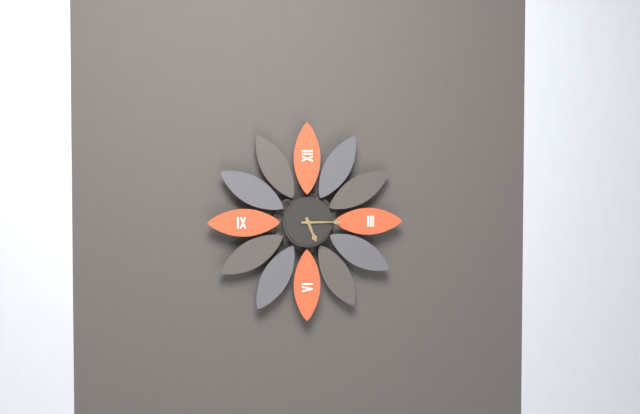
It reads 5:15
